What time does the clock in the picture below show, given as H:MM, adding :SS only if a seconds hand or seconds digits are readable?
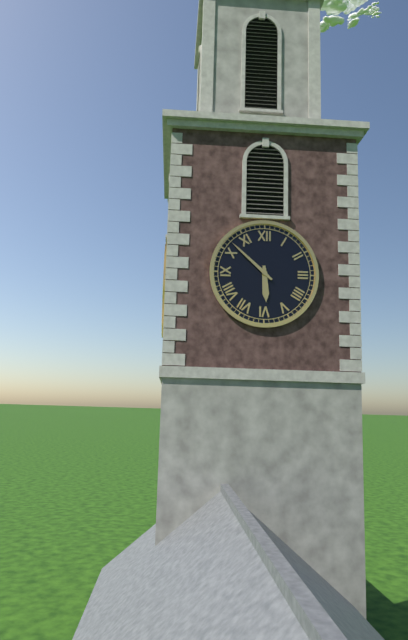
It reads 5:52
